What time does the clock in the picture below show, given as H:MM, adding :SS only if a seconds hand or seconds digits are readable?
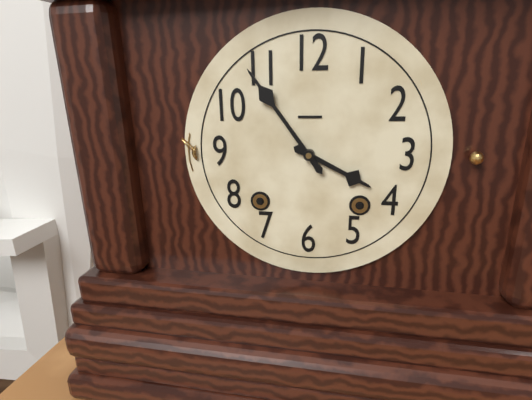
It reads 3:54
